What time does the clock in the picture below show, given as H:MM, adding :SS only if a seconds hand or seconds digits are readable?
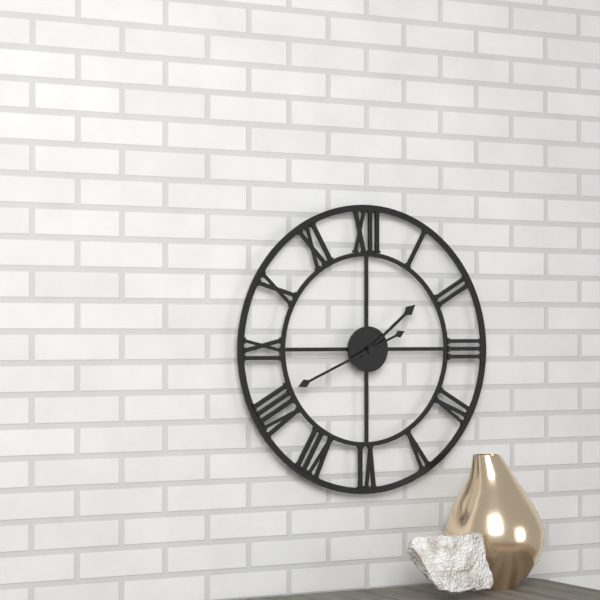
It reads 1:41
